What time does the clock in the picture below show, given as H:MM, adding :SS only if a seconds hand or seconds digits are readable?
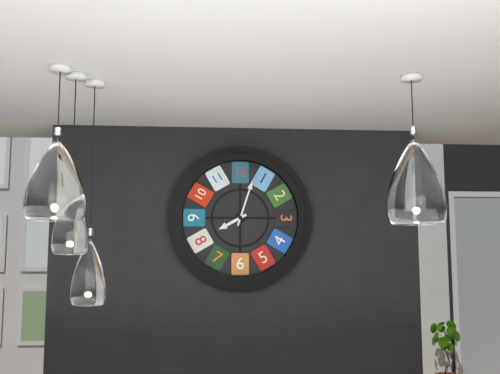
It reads 8:03
